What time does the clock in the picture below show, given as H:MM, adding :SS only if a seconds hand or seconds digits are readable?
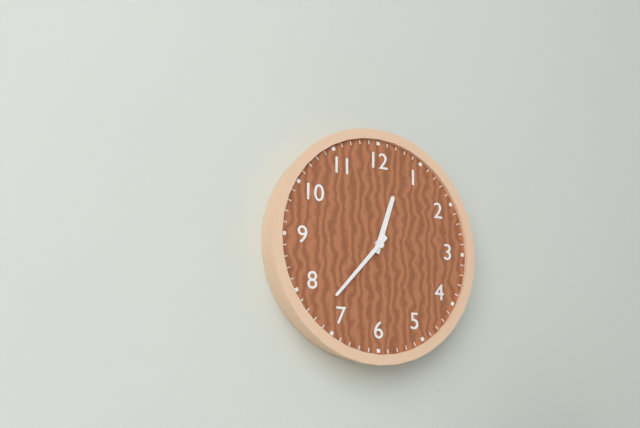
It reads 12:37
